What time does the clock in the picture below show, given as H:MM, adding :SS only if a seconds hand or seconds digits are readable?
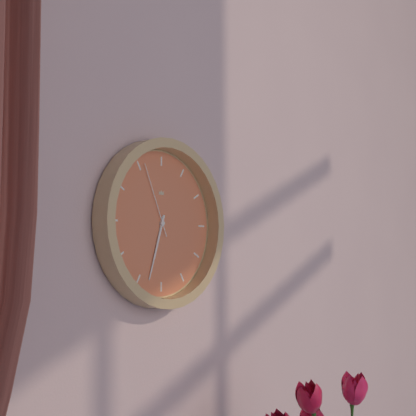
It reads 6:33:56
